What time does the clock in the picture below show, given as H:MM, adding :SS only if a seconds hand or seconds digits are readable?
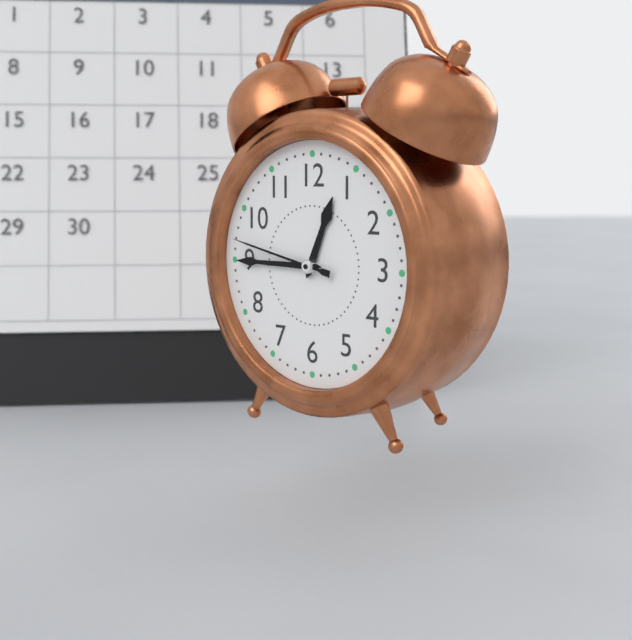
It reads 12:45:47
